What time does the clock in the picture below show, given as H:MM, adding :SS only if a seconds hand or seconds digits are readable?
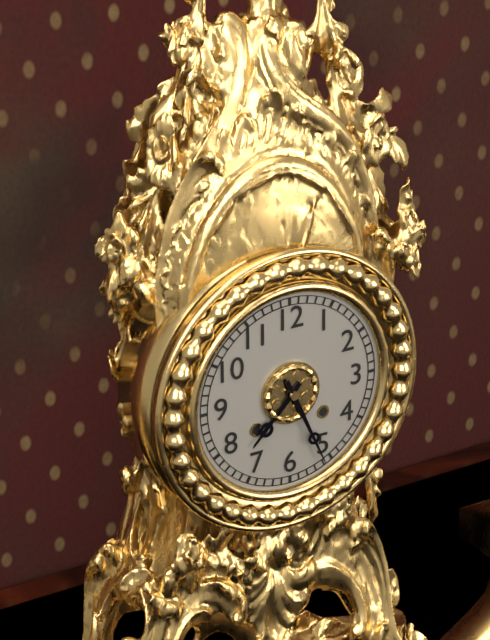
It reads 7:26
